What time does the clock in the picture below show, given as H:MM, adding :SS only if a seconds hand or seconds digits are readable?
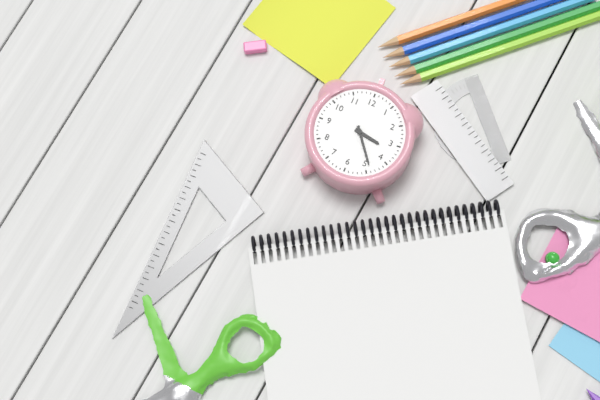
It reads 3:24
